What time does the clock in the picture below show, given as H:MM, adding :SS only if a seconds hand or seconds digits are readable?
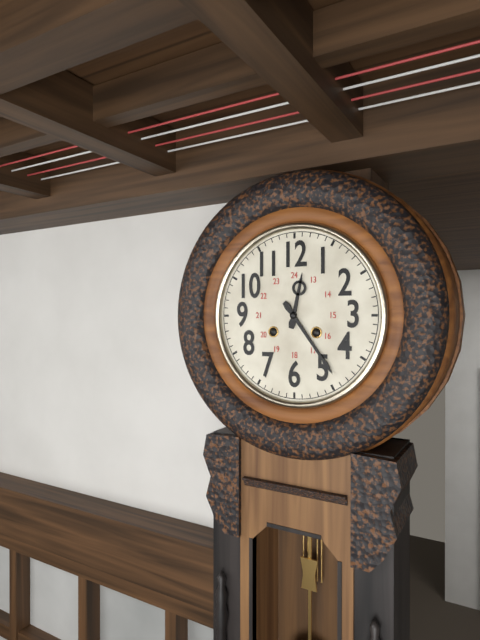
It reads 12:24
